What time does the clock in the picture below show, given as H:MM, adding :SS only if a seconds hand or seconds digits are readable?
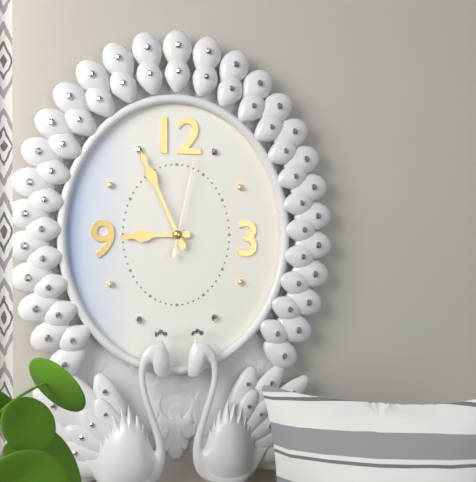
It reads 8:56:02
